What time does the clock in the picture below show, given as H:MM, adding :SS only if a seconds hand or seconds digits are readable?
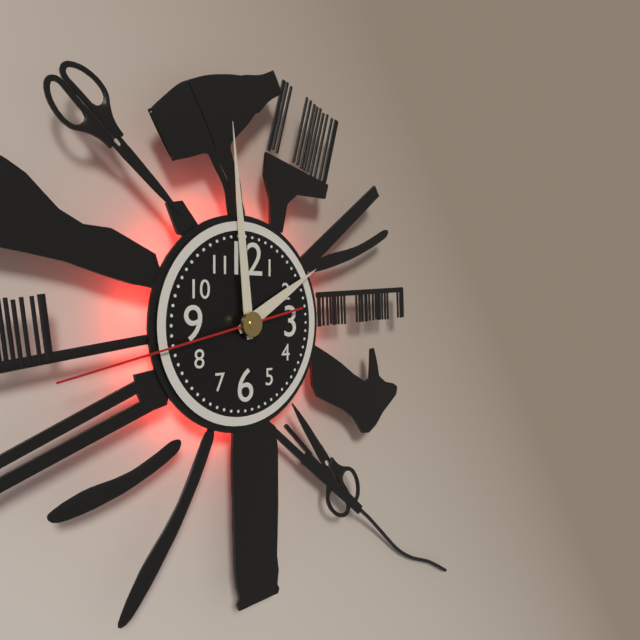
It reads 1:59:43
